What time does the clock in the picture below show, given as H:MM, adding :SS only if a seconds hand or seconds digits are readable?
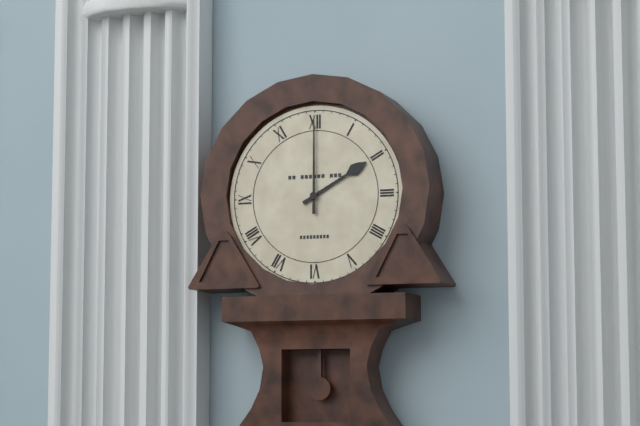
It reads 2:00
